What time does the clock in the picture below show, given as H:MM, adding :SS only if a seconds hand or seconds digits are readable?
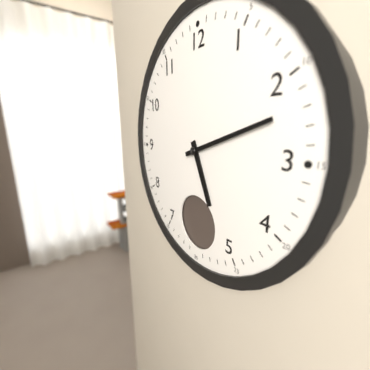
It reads 5:12
